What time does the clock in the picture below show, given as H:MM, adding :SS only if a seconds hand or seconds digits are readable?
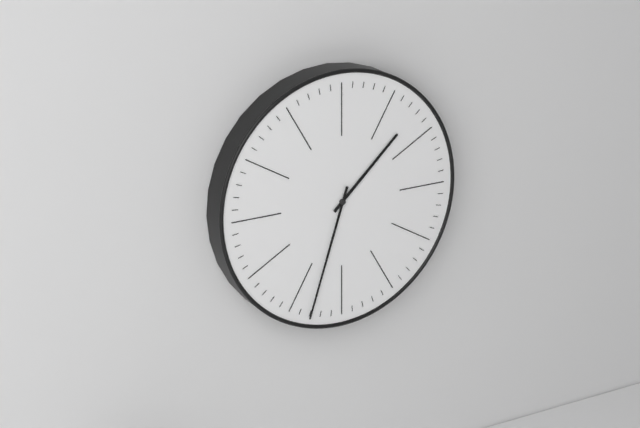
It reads 1:33
